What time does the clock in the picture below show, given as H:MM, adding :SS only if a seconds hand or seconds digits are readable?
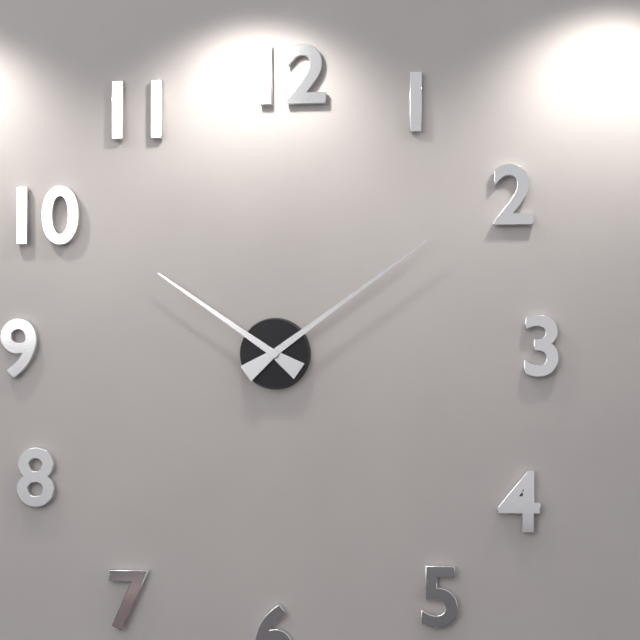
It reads 10:09
